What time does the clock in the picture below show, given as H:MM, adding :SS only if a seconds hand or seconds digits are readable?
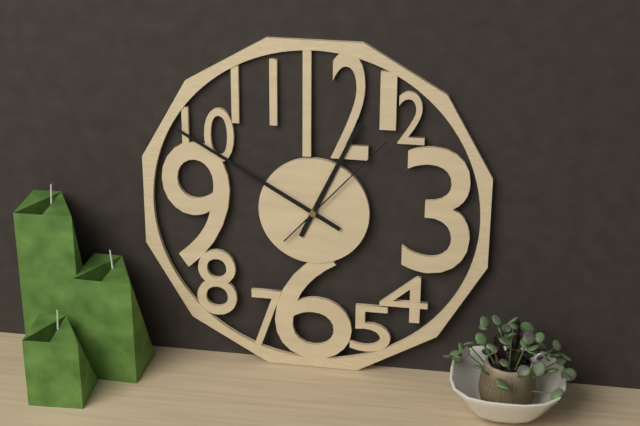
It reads 12:50:07
